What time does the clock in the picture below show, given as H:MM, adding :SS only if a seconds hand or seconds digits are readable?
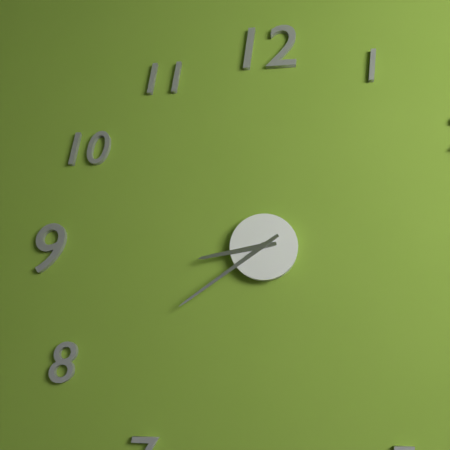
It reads 8:39
